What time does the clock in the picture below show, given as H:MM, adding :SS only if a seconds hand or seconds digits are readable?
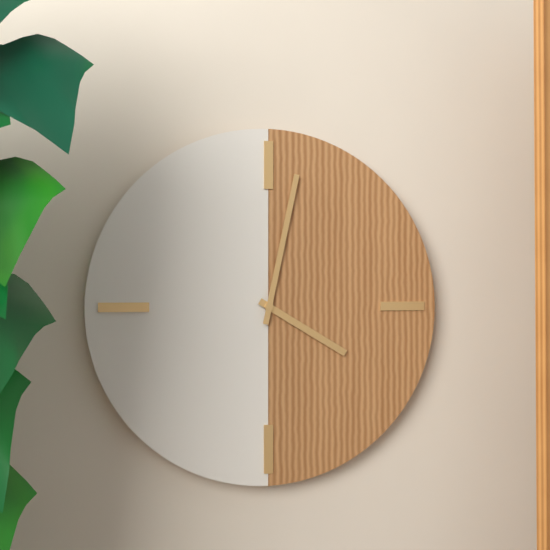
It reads 4:02
